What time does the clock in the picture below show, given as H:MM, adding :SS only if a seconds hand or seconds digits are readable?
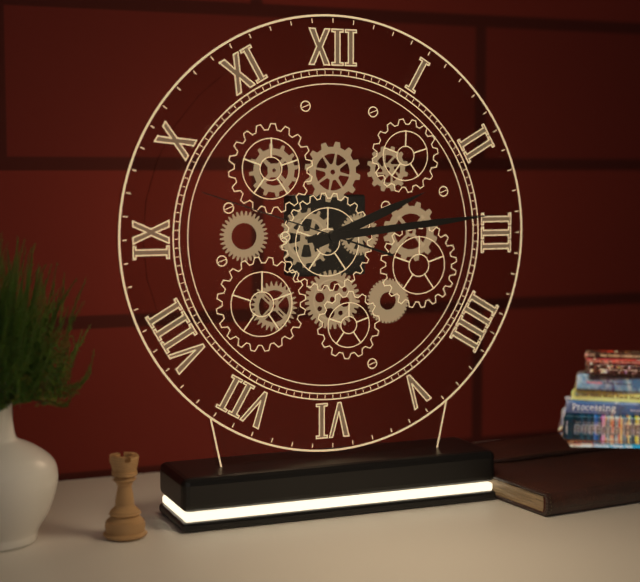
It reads 2:14:48
